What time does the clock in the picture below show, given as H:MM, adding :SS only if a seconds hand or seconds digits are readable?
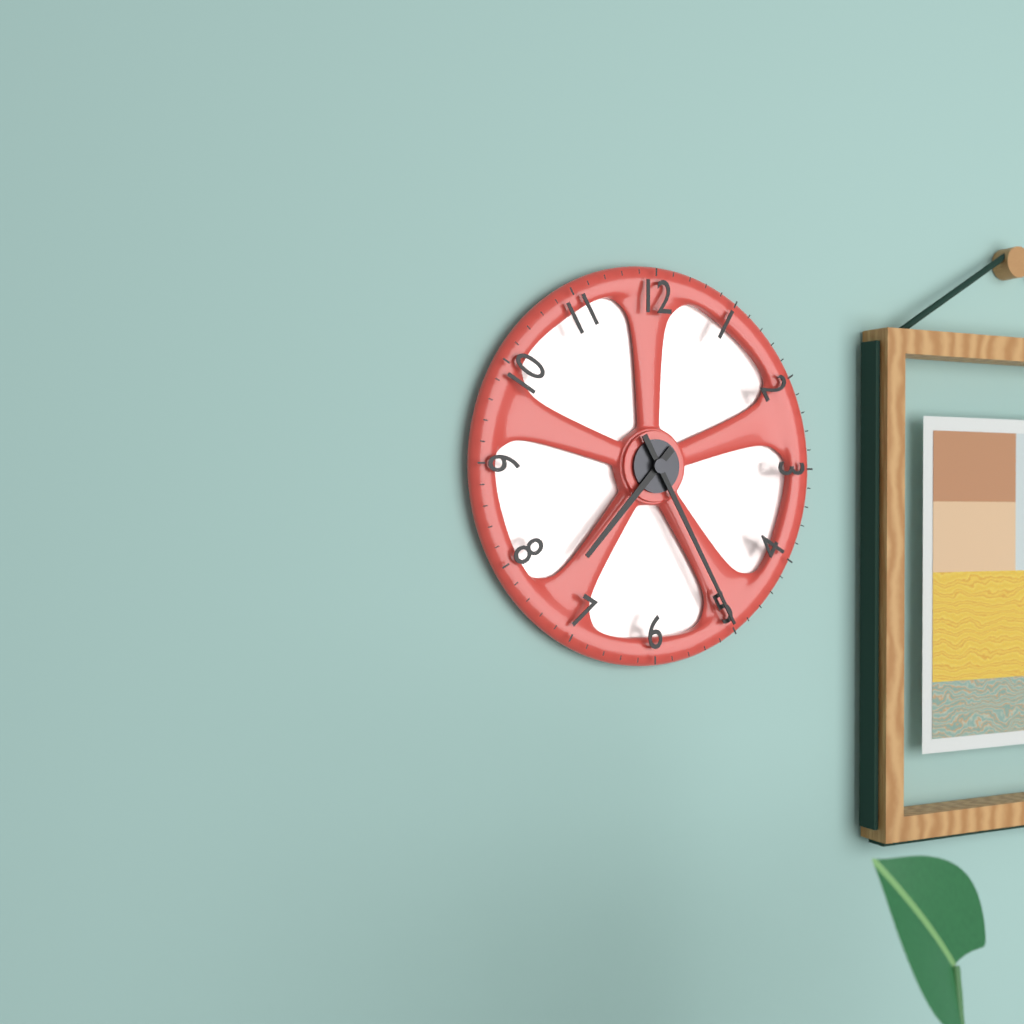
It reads 7:25
